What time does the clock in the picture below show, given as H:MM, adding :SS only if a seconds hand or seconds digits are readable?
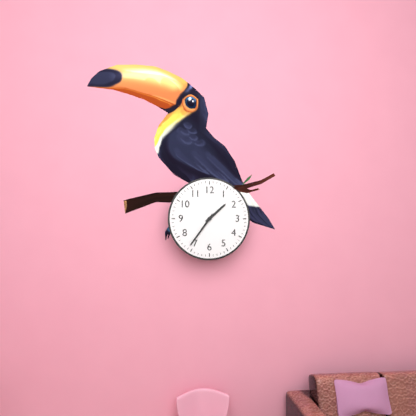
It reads 1:36
